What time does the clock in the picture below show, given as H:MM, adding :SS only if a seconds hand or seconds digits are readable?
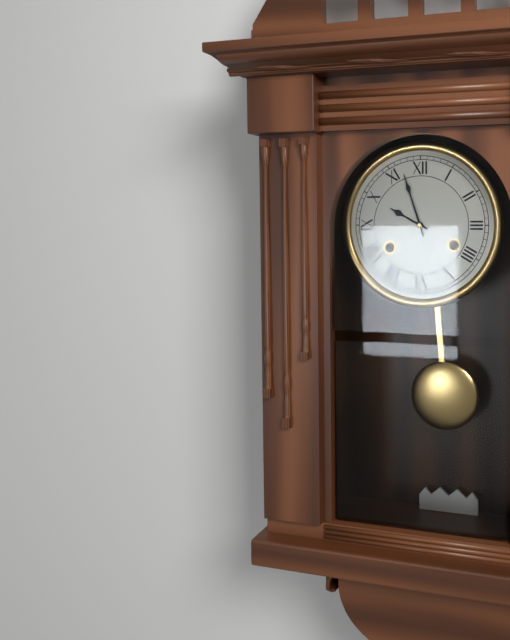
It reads 9:57
